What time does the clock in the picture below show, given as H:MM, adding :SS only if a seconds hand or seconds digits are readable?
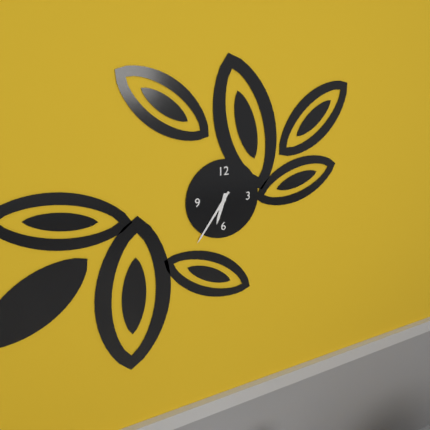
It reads 6:36
